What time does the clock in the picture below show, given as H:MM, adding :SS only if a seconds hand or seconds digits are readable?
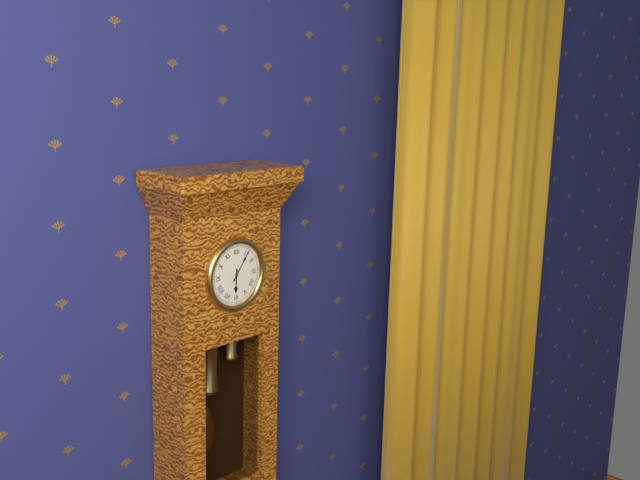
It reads 6:06
